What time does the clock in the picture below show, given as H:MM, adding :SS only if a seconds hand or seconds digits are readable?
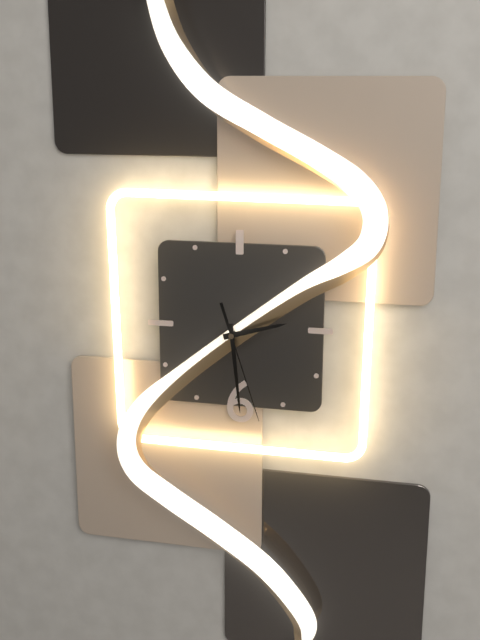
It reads 2:29:27
